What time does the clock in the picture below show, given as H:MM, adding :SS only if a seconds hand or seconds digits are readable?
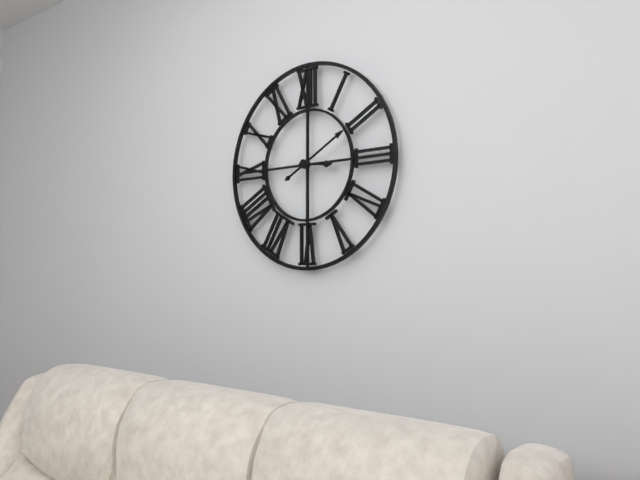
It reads 3:10
